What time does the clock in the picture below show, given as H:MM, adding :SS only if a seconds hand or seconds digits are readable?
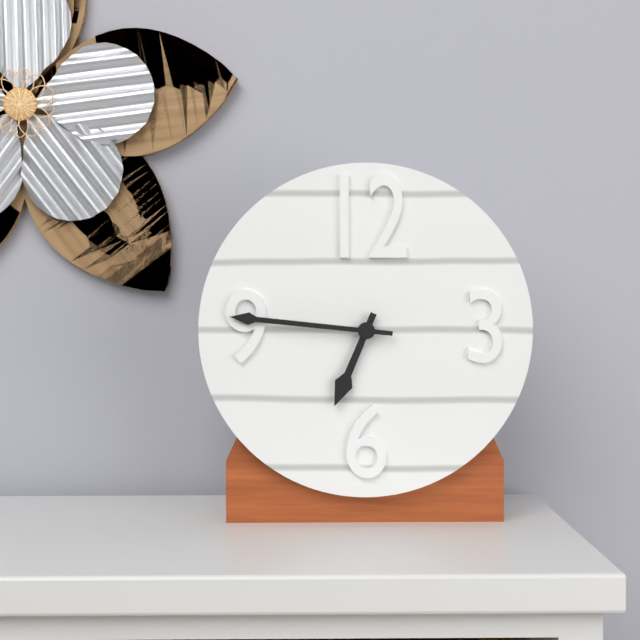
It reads 6:46
